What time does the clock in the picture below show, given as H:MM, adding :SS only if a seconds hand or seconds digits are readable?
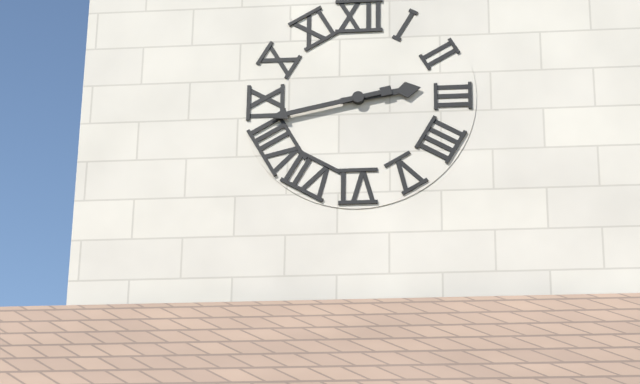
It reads 2:43
